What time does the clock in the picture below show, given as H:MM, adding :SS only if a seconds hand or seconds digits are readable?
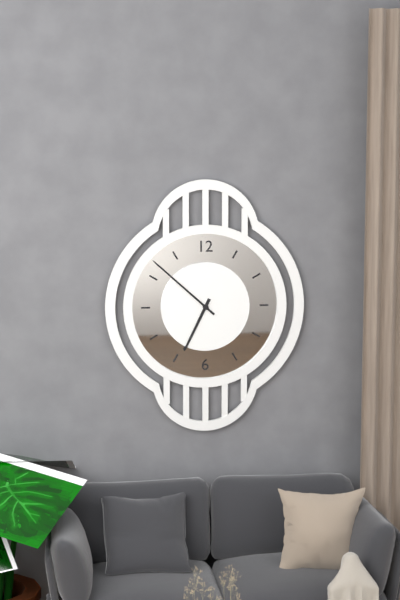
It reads 6:52
